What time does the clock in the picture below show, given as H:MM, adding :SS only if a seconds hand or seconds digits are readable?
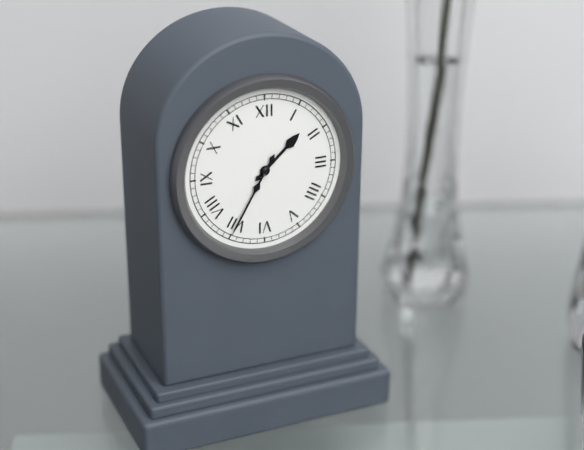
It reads 1:35
